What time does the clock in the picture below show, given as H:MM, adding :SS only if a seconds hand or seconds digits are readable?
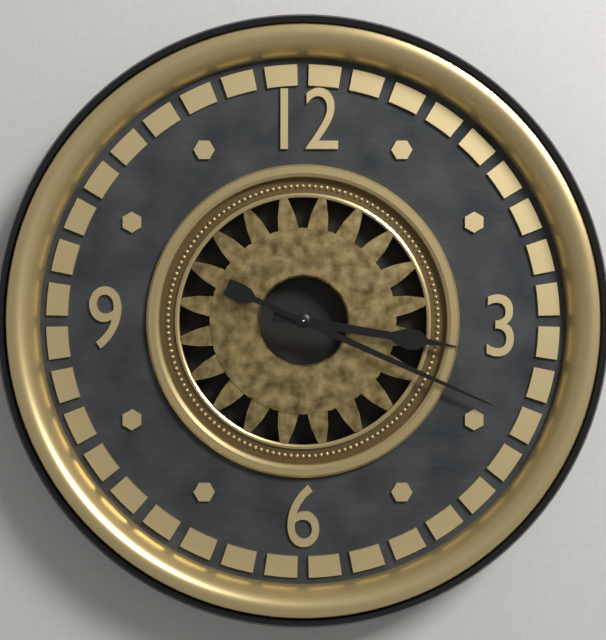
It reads 3:19
